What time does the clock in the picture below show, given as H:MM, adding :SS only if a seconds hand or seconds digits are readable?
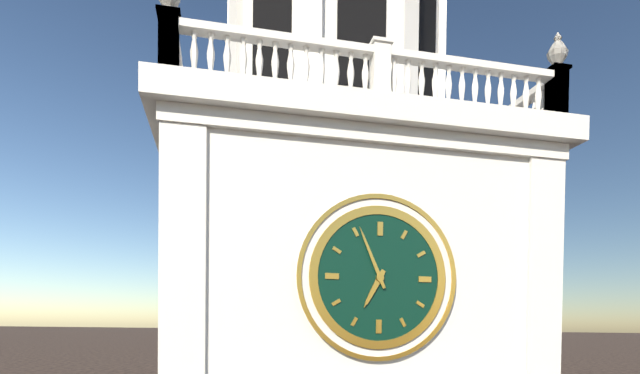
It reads 6:56
